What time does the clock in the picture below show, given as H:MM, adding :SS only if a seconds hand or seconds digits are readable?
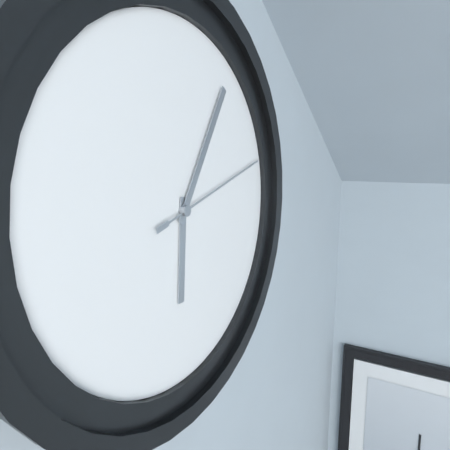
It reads 6:05:12
